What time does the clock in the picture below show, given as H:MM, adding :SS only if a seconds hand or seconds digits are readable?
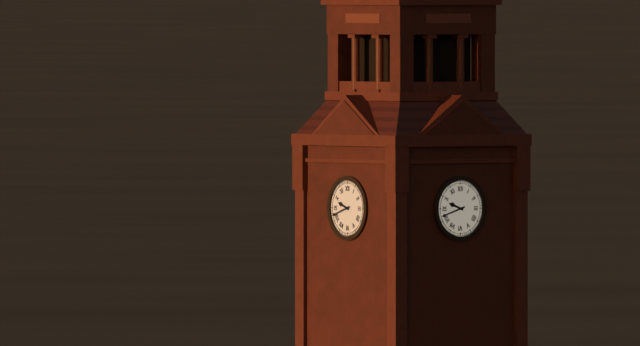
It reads 9:42
